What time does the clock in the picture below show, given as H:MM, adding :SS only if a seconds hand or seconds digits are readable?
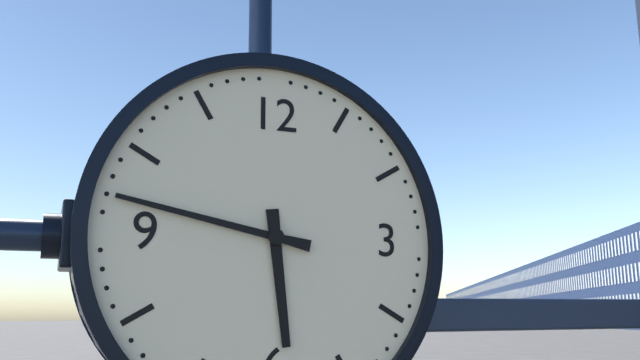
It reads 5:47
